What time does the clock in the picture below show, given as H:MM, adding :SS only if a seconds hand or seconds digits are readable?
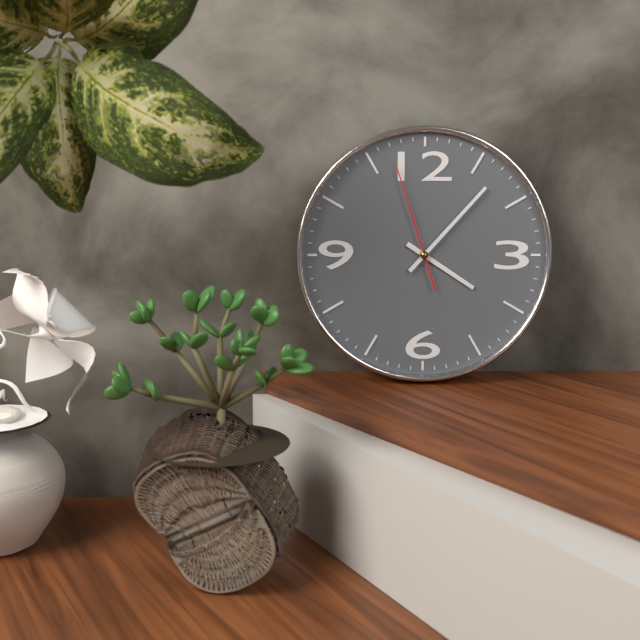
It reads 4:07:57
